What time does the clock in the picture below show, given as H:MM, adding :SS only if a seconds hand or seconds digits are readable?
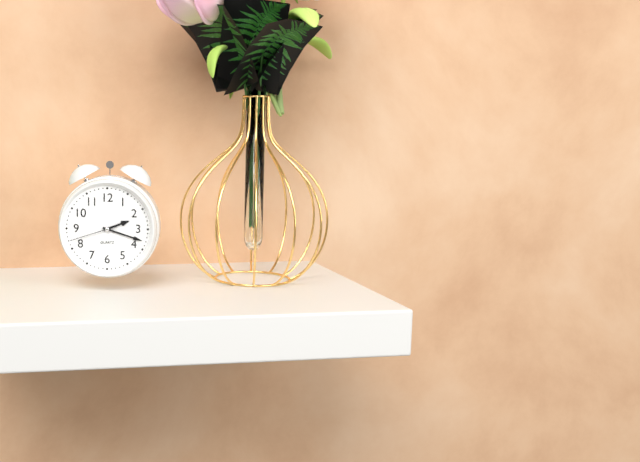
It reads 2:18
